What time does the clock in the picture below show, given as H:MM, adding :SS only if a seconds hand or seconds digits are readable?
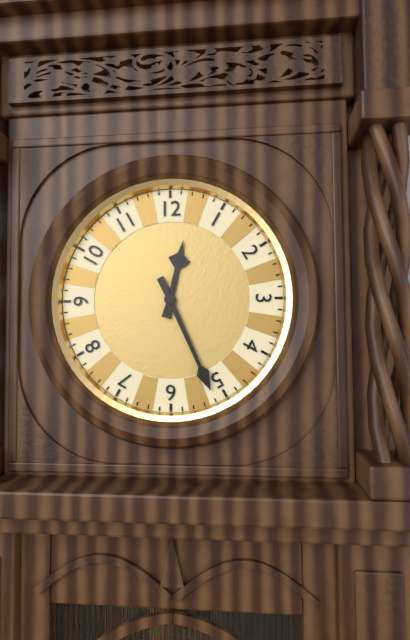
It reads 12:26
